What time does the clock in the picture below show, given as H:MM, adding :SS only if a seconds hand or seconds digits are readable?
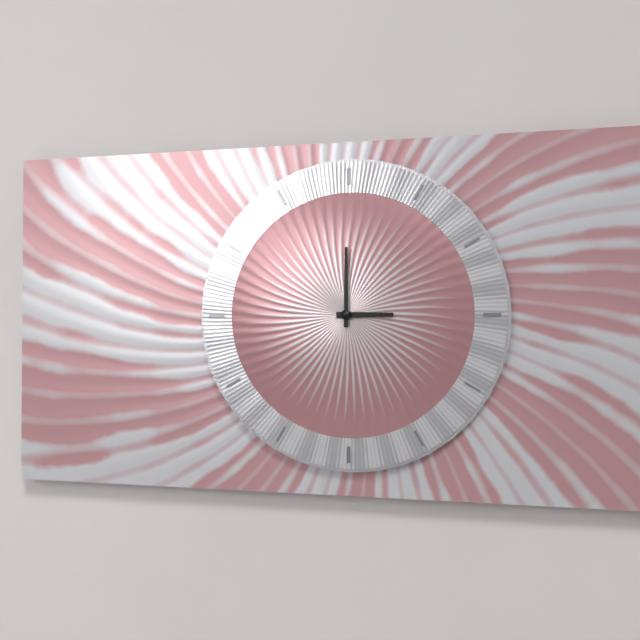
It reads 3:00
